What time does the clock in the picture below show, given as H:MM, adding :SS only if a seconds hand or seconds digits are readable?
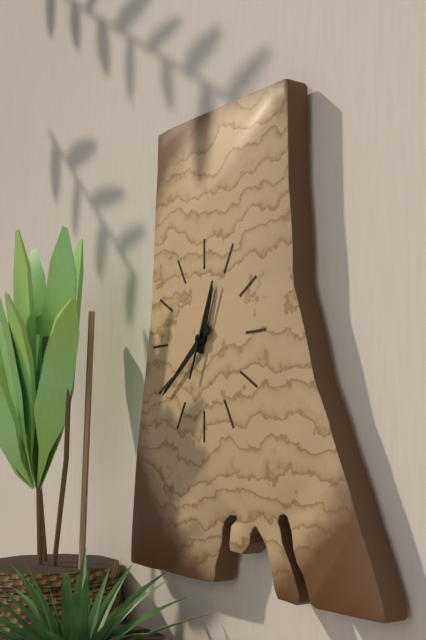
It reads 12:39:04
